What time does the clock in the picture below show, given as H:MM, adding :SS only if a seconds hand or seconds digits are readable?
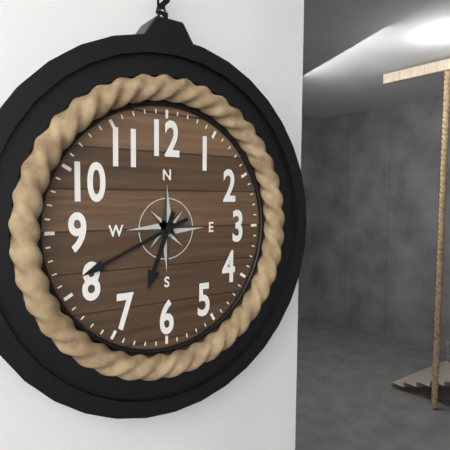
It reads 6:41
